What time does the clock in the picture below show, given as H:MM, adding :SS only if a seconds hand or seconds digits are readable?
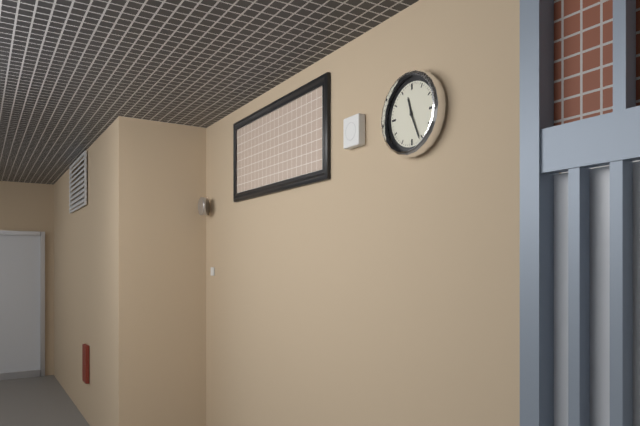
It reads 11:26
